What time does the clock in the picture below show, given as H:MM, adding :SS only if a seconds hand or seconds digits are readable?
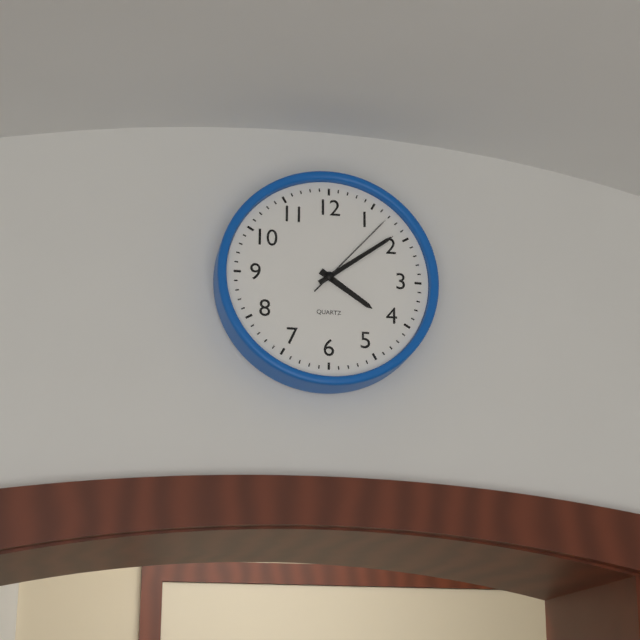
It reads 4:09:07
